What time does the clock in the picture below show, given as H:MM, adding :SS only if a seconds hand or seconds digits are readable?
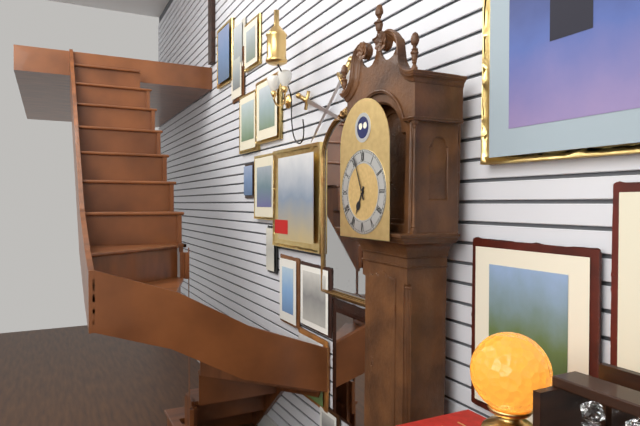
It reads 6:56
